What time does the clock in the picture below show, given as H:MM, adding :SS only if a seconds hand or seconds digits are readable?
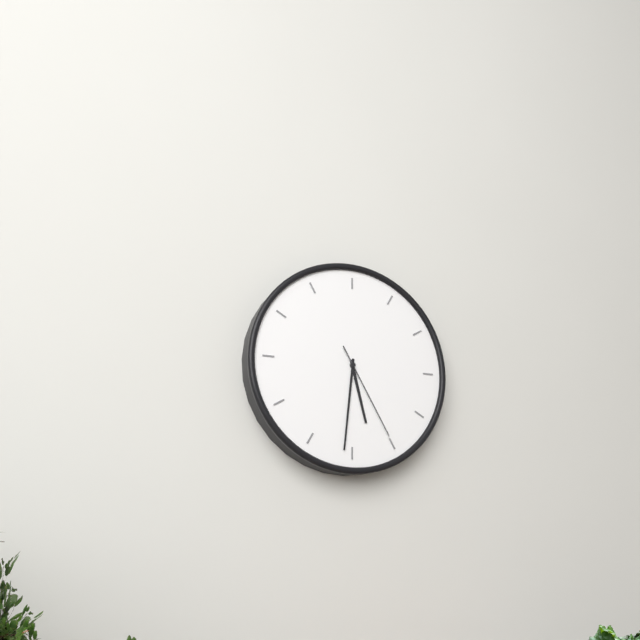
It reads 5:31:25
